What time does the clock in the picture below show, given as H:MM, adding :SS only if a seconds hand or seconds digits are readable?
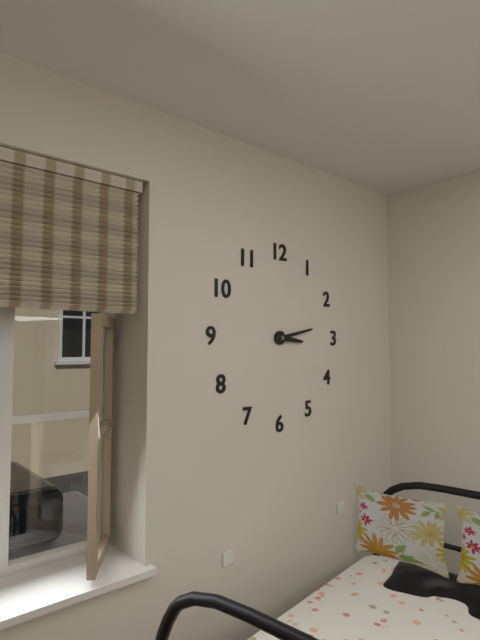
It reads 3:13
